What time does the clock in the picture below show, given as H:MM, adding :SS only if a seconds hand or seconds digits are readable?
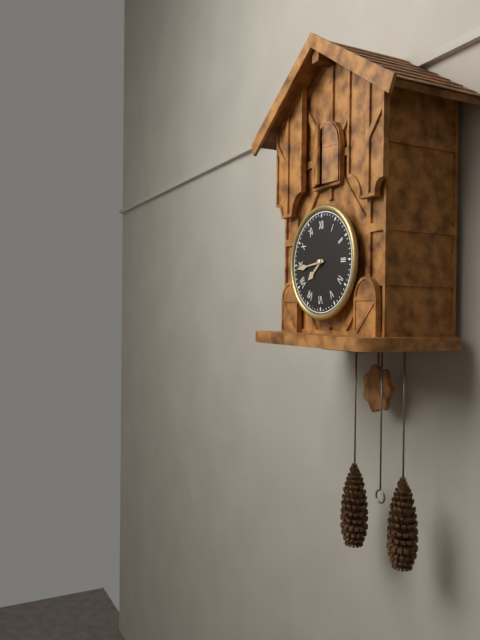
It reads 7:44
